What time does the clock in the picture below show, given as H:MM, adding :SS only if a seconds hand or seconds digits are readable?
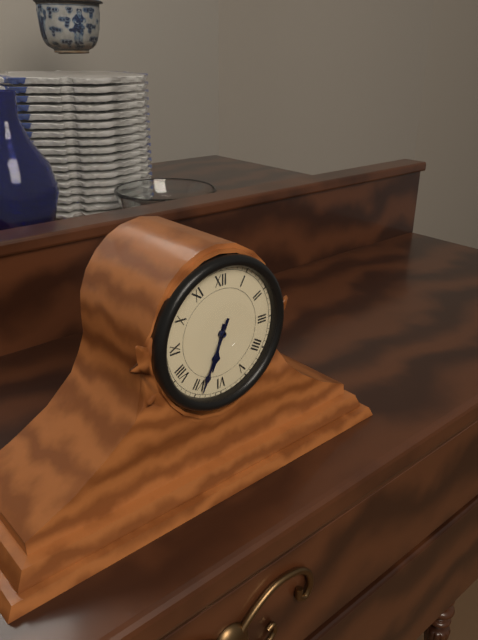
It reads 6:34
